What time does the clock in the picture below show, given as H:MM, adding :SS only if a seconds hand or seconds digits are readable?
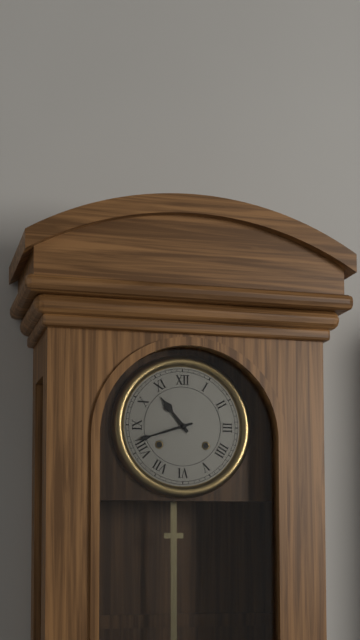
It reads 10:42
